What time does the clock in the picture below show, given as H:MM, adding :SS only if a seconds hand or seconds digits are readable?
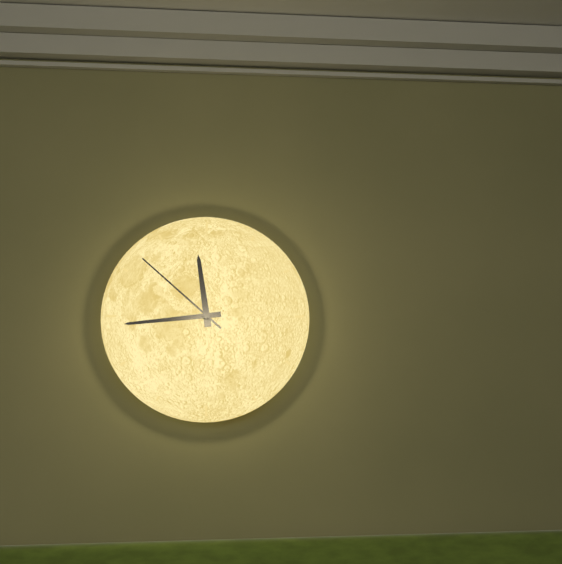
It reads 11:44:52
